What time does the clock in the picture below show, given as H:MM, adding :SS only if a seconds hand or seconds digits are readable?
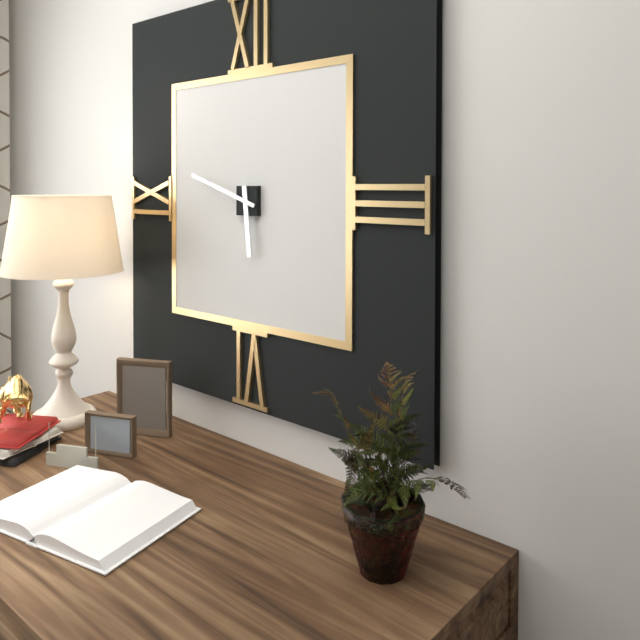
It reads 5:48
